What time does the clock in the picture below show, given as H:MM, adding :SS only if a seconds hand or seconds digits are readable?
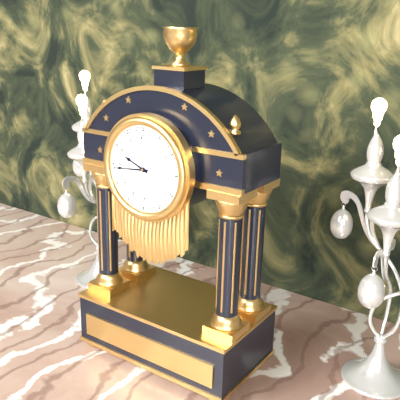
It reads 9:44
